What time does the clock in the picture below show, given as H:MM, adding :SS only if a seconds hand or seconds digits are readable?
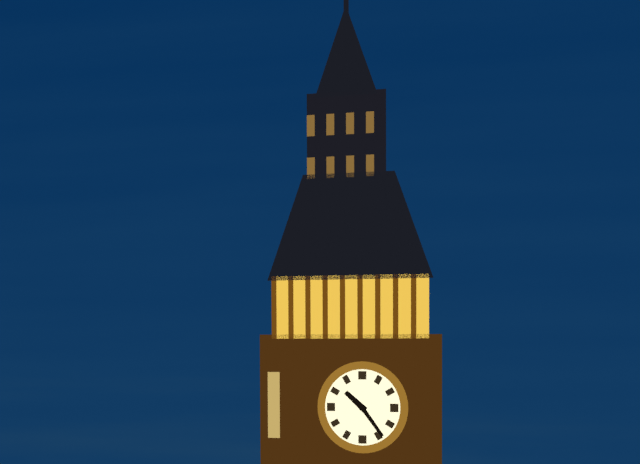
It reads 10:24
